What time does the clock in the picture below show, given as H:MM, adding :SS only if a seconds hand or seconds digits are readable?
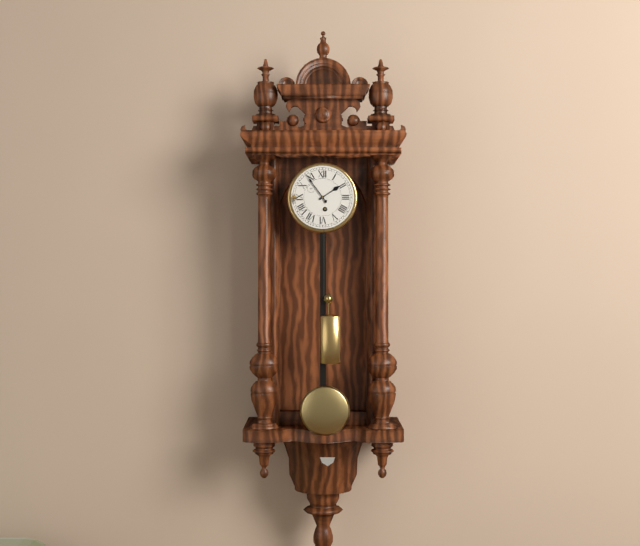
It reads 1:54
